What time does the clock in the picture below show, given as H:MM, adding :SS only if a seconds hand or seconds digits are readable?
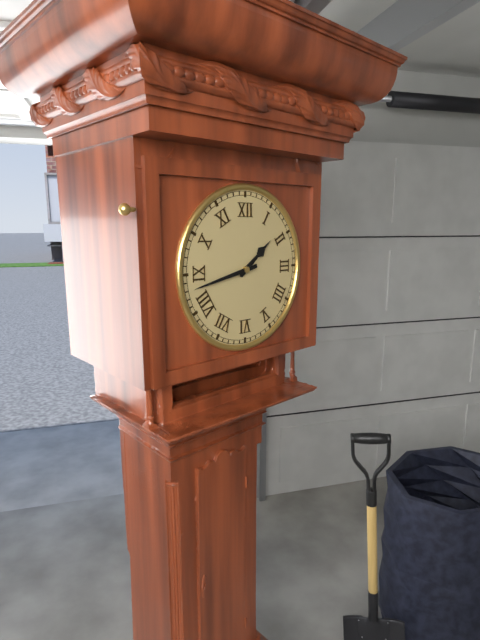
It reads 1:43
